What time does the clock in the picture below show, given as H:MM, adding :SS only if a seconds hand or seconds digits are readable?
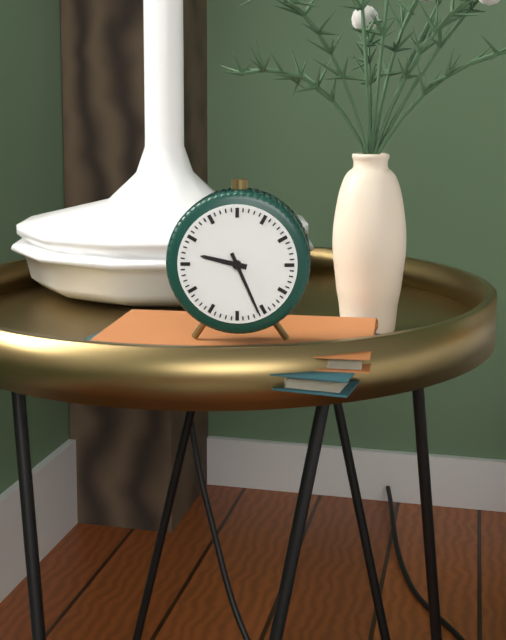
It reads 9:26
